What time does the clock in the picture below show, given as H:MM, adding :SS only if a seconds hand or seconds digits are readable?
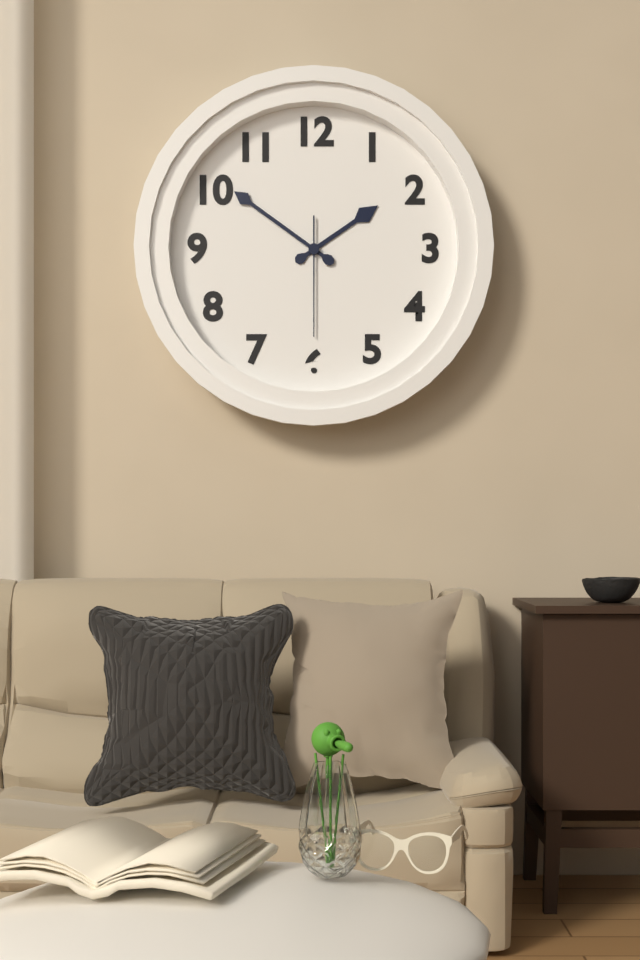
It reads 1:51:30
